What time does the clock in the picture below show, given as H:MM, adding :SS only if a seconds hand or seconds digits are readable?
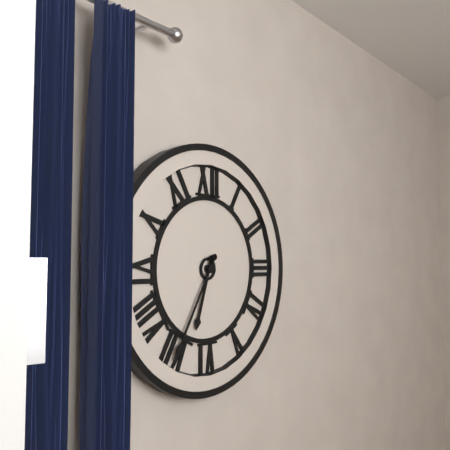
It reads 6:35
